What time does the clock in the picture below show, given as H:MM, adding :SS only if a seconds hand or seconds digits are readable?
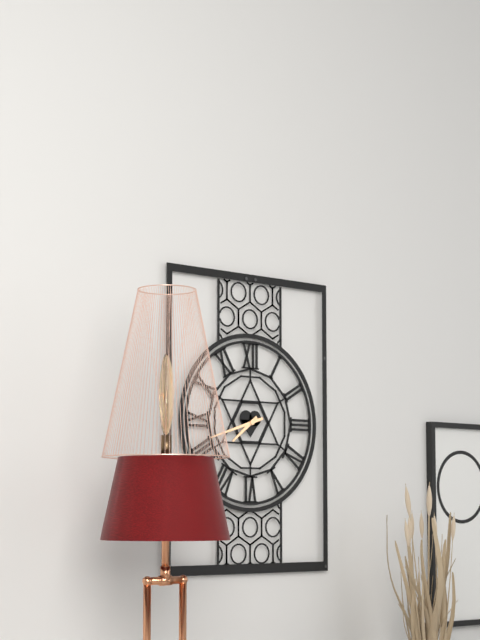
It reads 7:42
